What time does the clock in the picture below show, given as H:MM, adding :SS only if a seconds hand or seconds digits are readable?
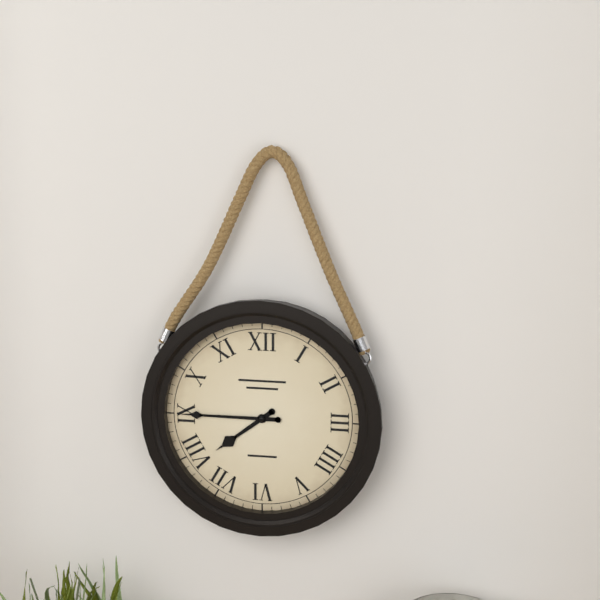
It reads 7:45
